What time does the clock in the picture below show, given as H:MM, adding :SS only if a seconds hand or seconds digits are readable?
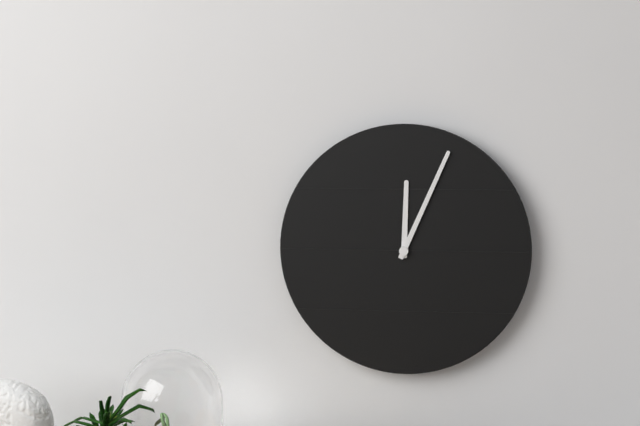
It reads 12:04
